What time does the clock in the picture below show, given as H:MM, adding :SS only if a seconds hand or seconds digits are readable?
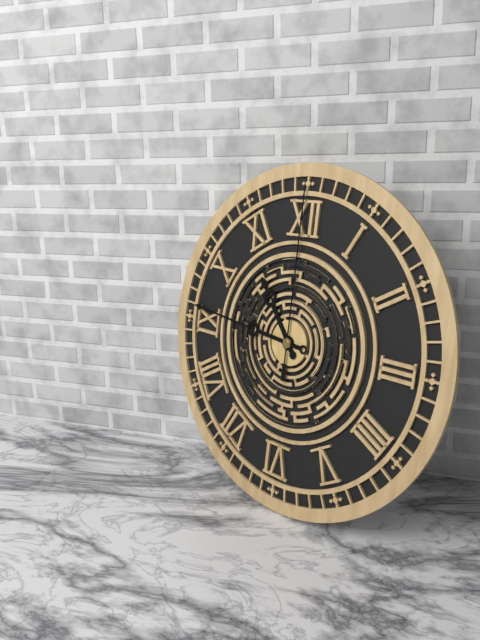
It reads 10:46:00
